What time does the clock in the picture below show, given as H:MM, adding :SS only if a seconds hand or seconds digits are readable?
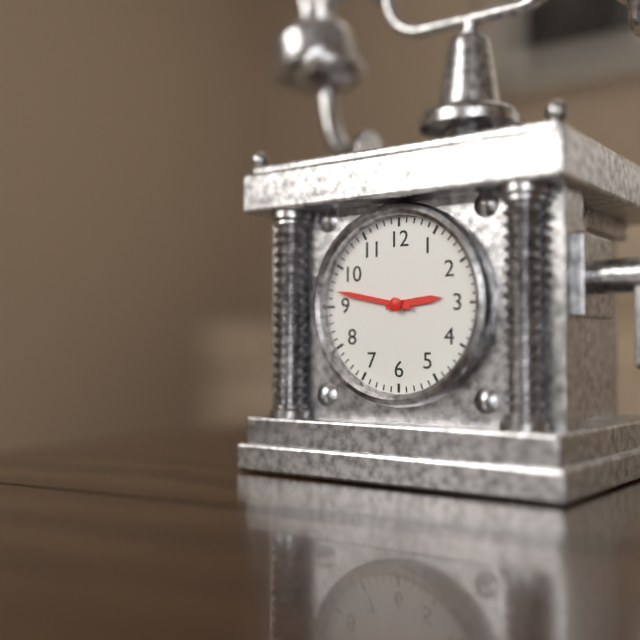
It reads 2:47
